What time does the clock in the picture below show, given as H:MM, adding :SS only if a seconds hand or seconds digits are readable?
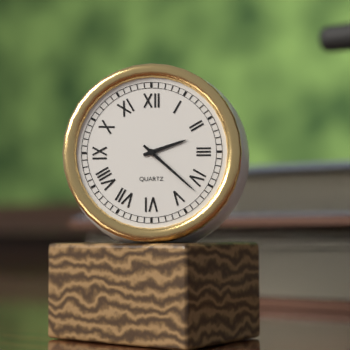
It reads 2:22
